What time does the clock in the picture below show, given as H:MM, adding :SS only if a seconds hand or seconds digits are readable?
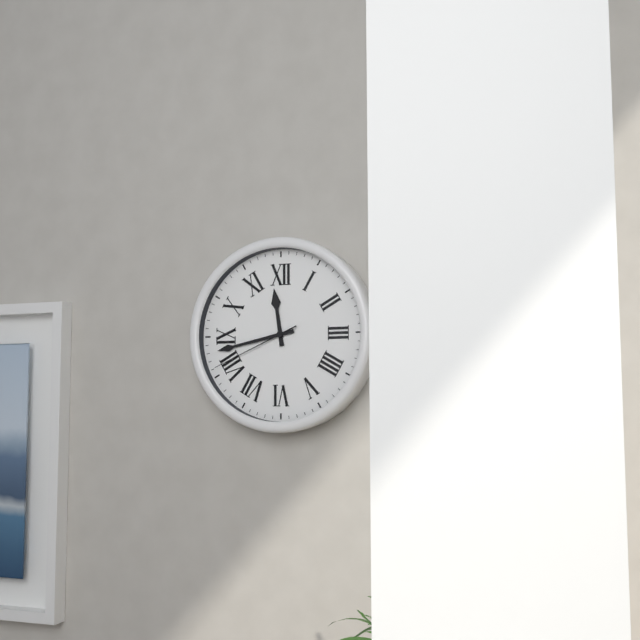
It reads 11:43:41
